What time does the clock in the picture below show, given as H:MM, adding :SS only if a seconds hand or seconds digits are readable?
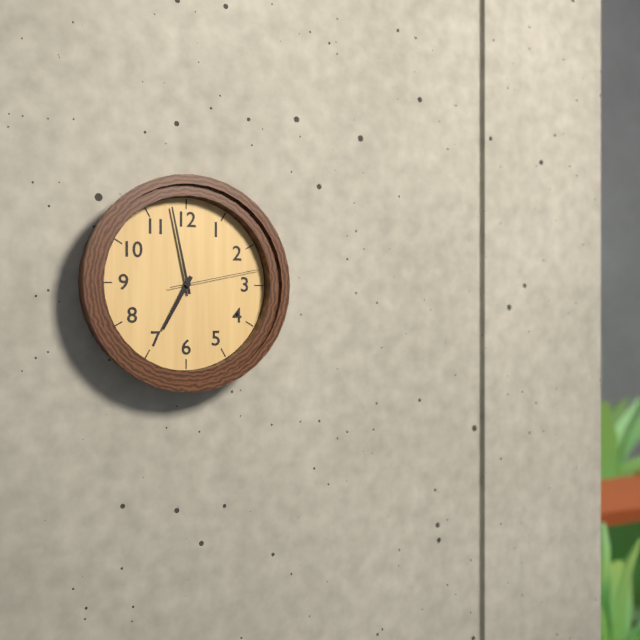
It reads 6:58:13
